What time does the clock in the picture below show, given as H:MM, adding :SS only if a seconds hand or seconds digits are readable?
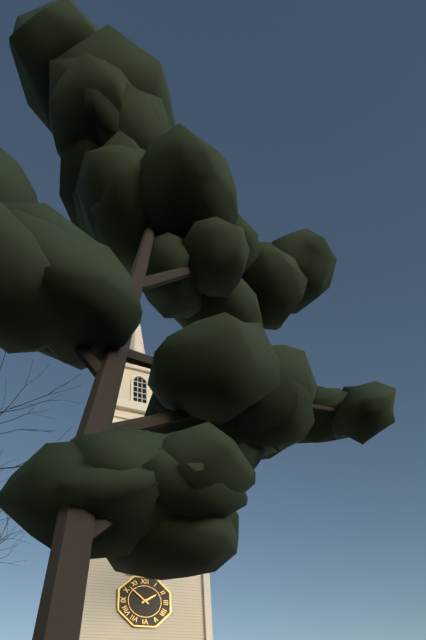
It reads 1:52
